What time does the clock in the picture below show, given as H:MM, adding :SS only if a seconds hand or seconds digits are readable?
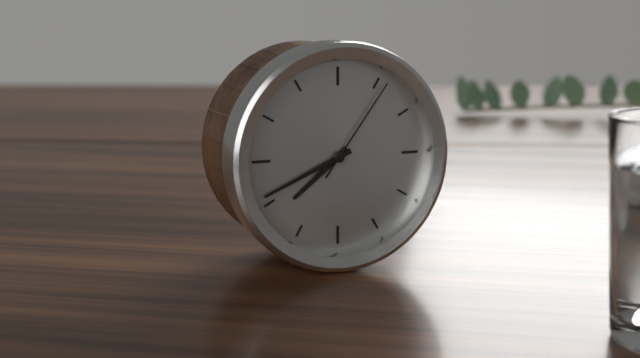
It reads 7:41:06
